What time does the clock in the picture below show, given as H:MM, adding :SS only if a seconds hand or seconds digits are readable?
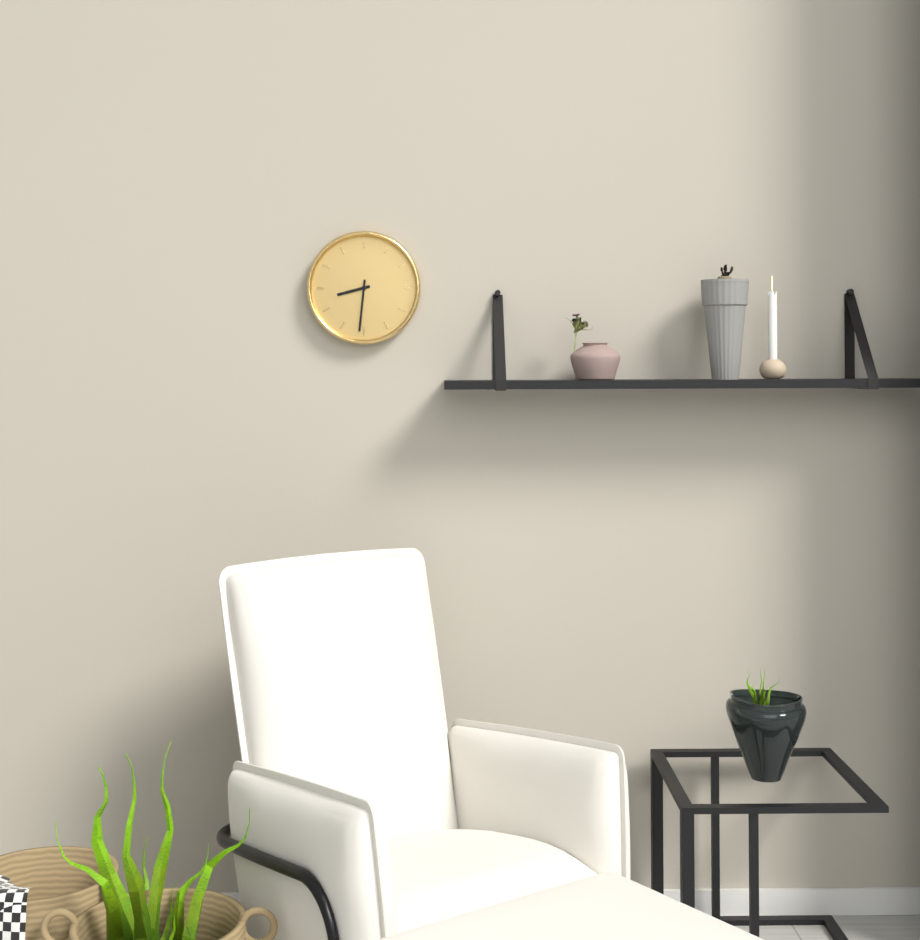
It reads 8:31
